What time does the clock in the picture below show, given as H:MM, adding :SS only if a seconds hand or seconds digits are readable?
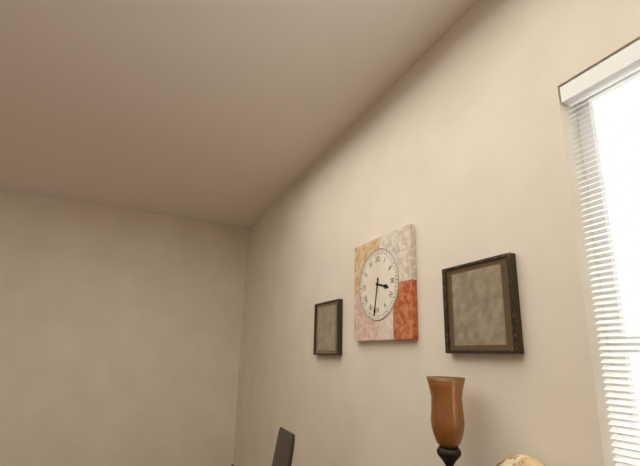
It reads 3:32
